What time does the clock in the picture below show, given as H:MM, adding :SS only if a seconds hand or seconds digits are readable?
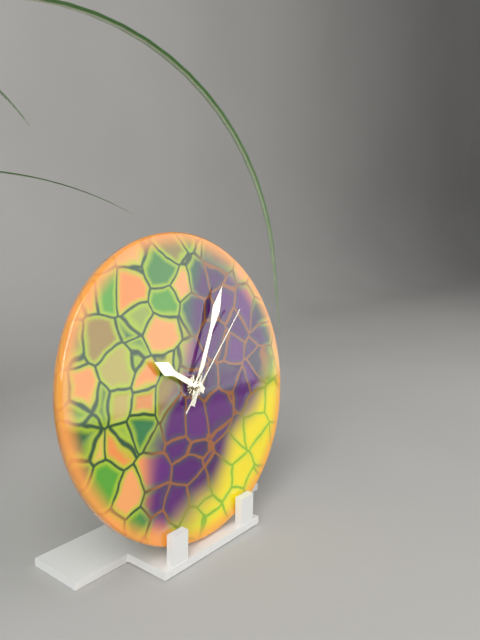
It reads 10:05:08
